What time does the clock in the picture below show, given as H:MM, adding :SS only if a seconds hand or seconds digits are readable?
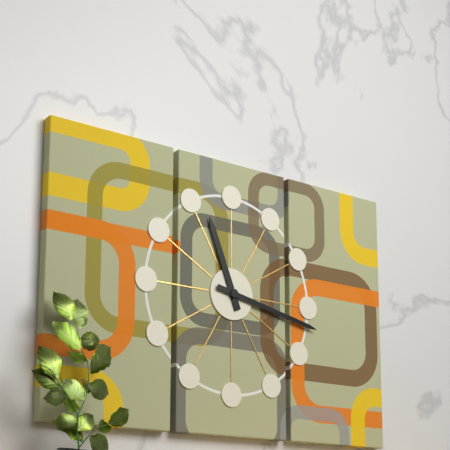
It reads 11:17
